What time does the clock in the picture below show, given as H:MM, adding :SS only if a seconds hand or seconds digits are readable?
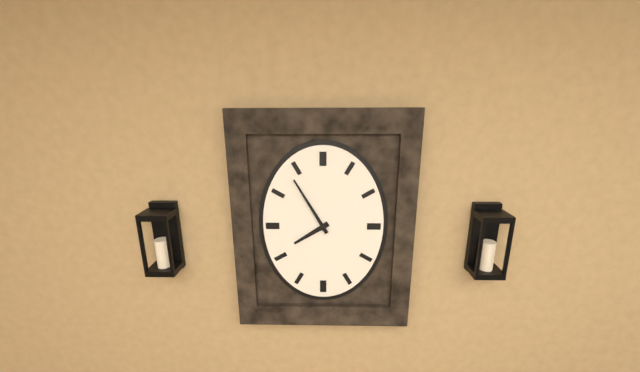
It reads 7:55
